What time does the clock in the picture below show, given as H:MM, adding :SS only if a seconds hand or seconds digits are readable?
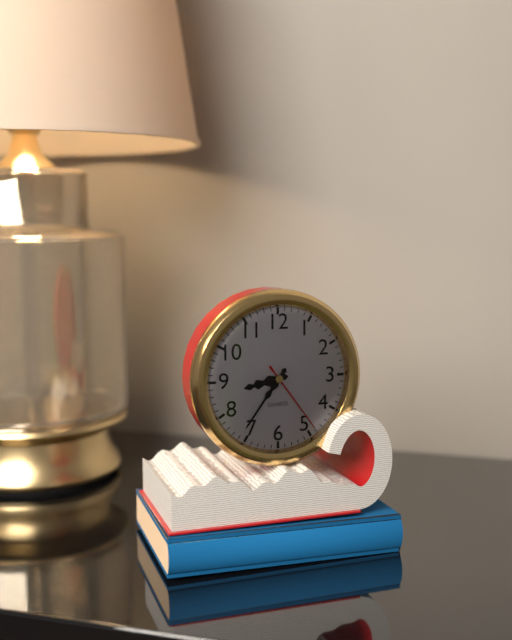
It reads 8:36:24
